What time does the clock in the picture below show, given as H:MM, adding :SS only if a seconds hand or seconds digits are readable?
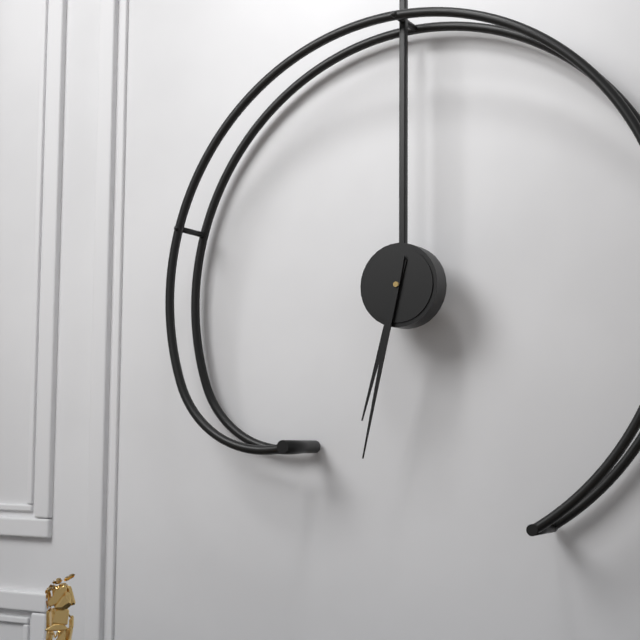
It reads 6:32
